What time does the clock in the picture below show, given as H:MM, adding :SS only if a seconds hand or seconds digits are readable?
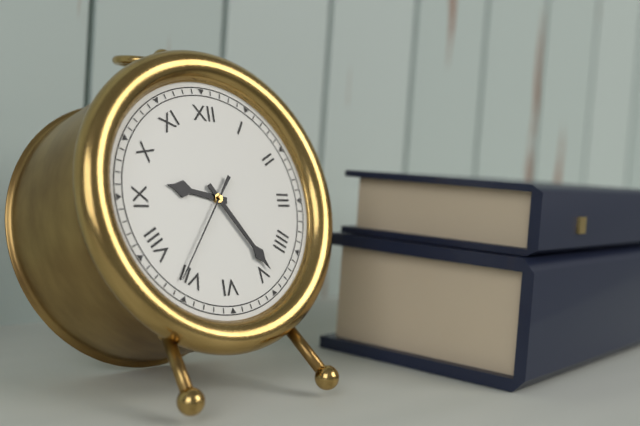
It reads 9:24:36
